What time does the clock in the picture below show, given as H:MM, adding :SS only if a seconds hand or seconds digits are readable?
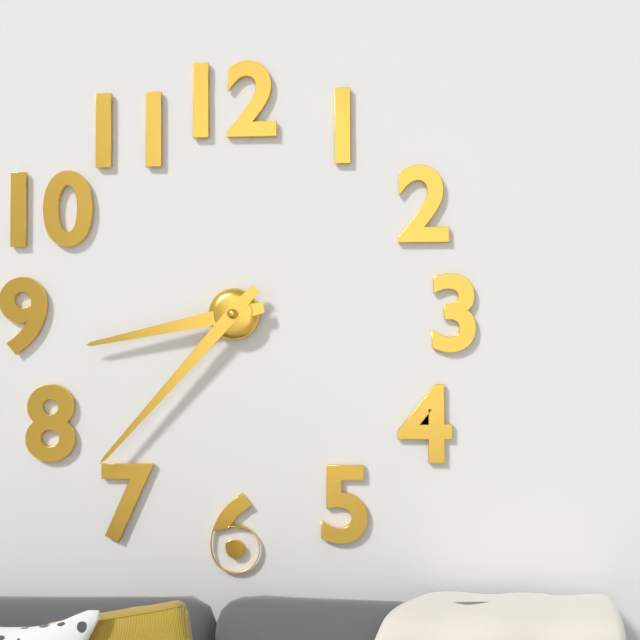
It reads 8:37
